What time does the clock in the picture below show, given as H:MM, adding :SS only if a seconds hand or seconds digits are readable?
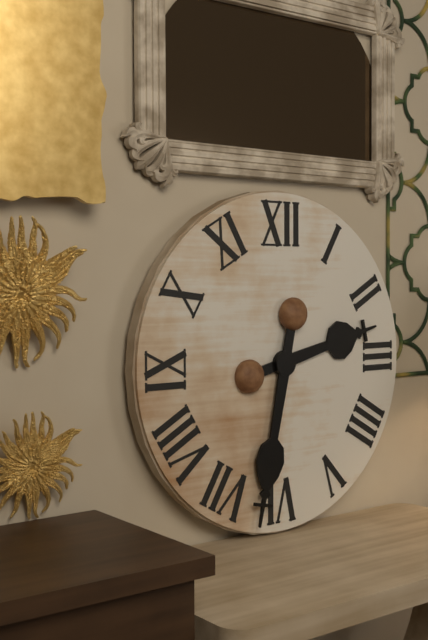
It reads 2:32
